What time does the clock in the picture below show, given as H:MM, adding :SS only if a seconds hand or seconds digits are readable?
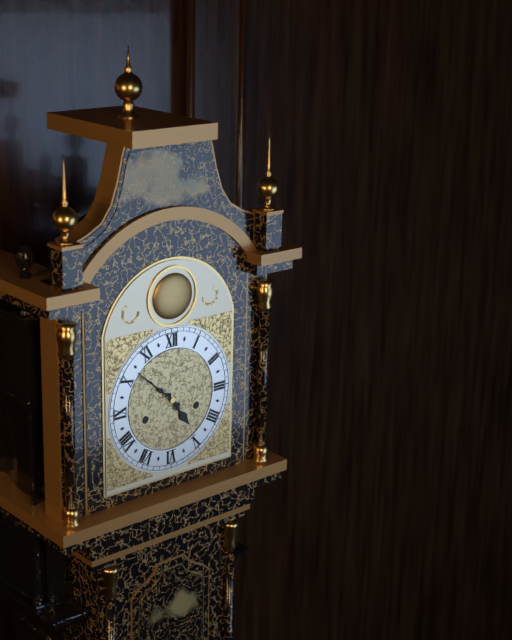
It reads 4:52
